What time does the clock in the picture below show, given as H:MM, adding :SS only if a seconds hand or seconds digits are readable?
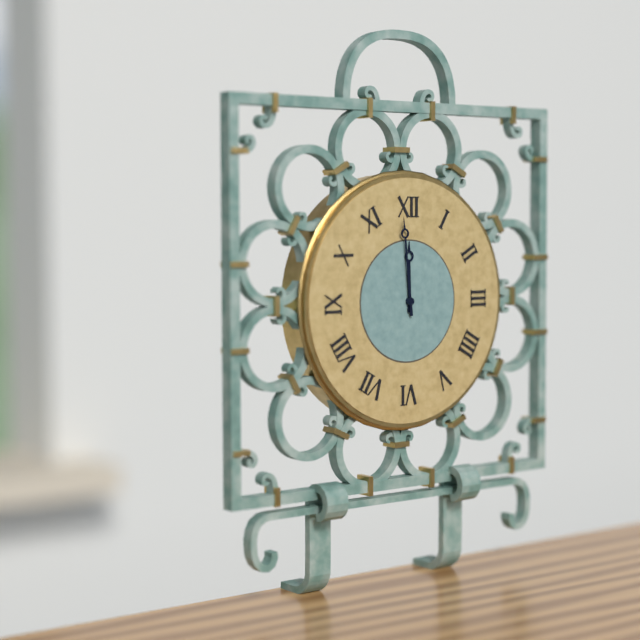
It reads 11:59
